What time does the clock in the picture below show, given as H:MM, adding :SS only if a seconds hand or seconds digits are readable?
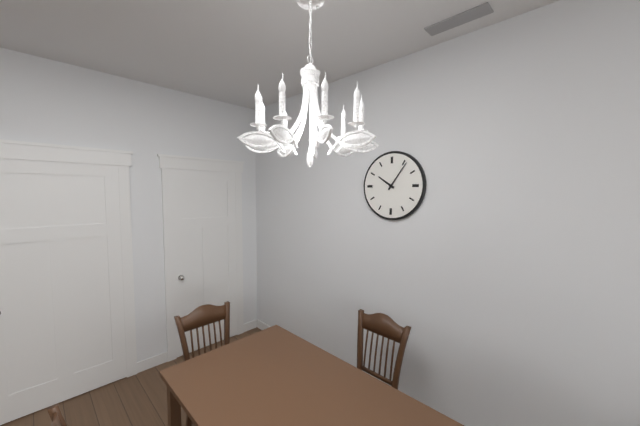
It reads 10:06
